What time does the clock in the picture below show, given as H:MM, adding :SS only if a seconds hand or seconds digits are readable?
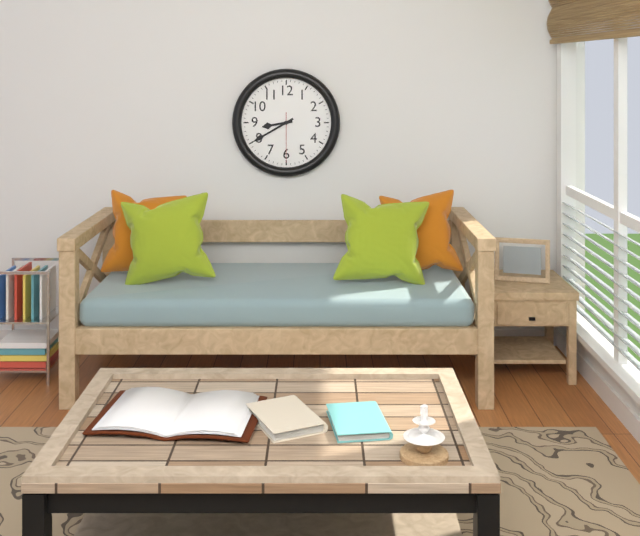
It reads 8:40:30
